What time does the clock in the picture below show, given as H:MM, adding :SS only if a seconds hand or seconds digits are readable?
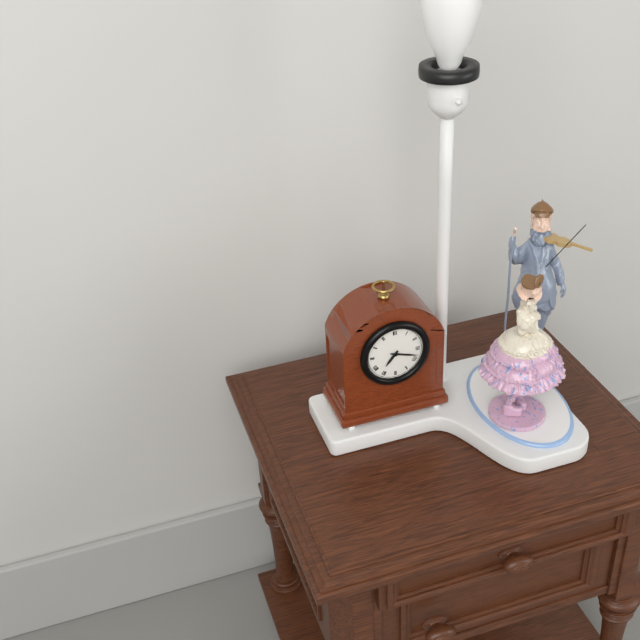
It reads 7:18
